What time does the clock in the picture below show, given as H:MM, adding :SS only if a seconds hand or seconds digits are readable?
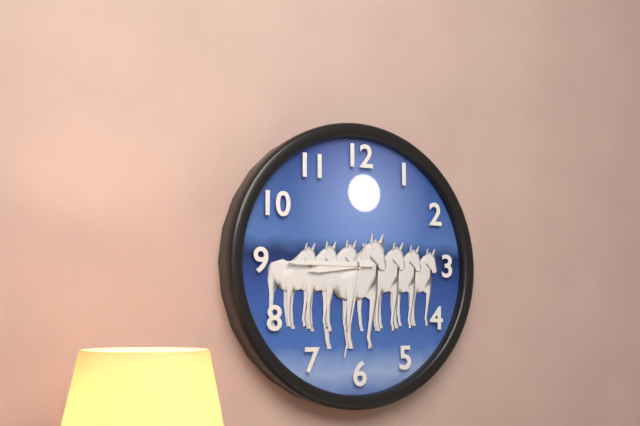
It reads 8:45:32
